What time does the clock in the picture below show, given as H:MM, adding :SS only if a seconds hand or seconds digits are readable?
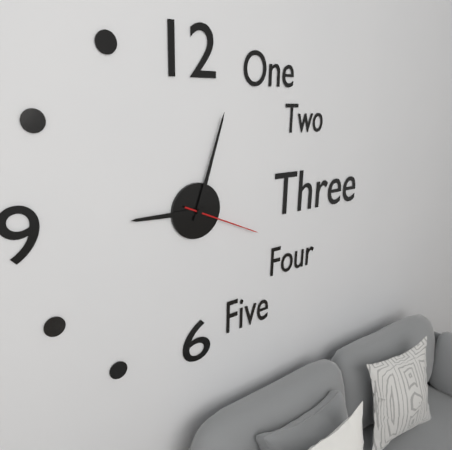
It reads 9:03:19
